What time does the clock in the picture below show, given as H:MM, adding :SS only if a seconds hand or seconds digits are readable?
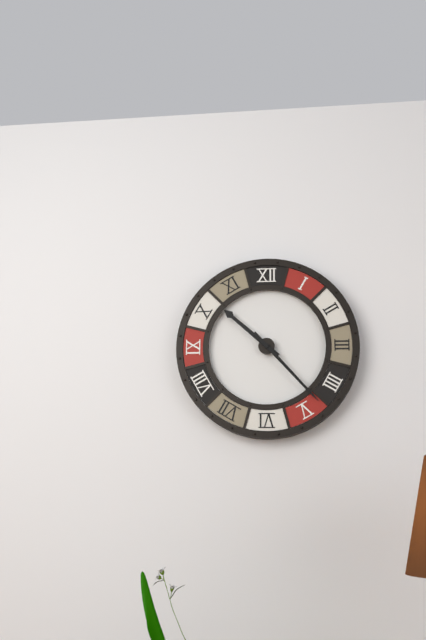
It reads 10:23
